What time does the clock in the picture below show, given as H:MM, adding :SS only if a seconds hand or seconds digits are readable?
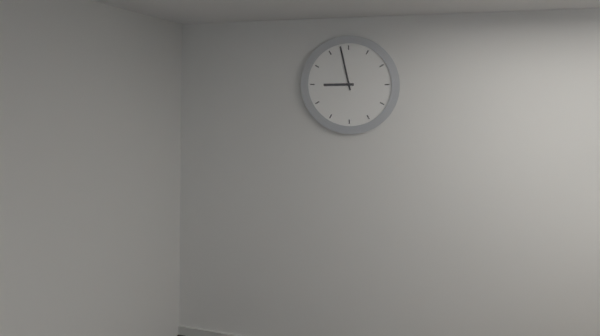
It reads 8:58
